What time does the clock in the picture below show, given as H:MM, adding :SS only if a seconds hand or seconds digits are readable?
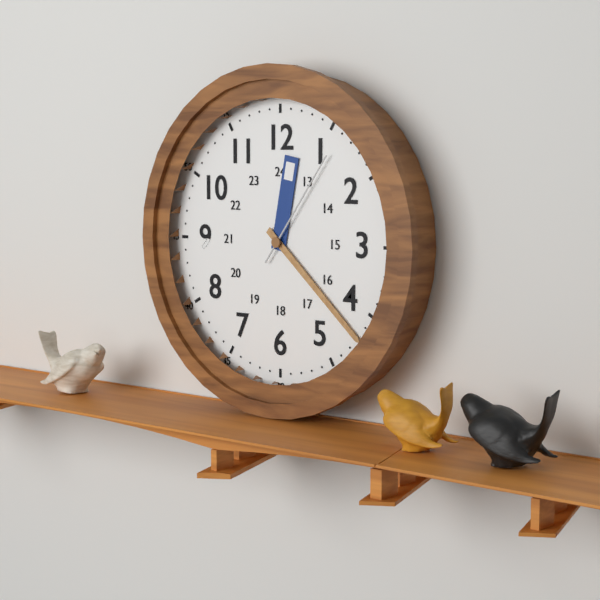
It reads 12:22:06
